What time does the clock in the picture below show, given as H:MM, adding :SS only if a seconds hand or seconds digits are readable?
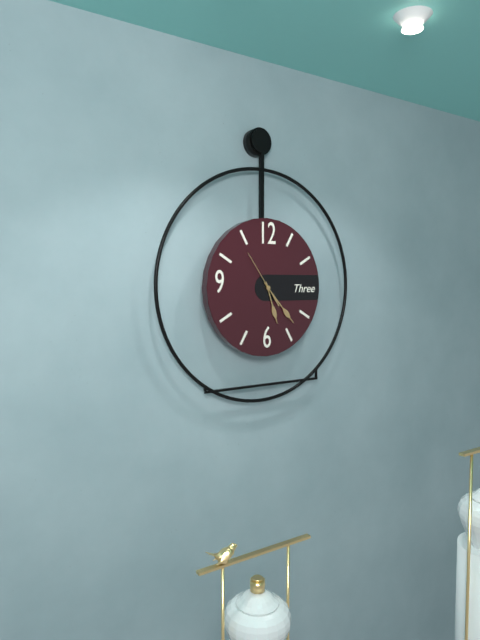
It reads 5:23
